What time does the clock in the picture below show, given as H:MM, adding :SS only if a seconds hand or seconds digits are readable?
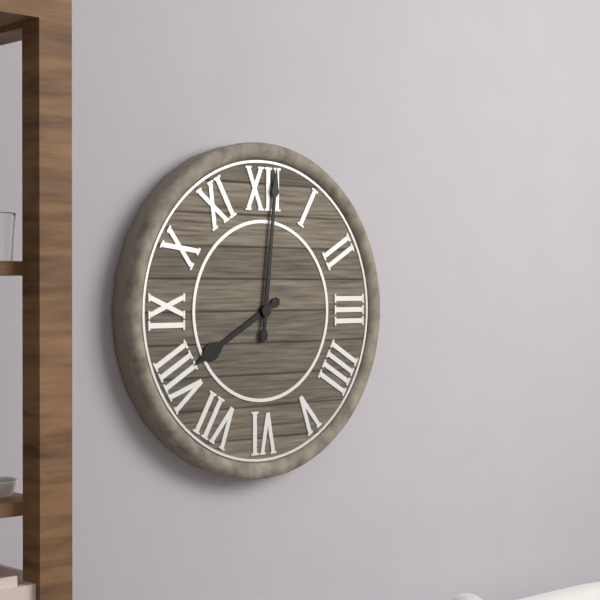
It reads 8:01
